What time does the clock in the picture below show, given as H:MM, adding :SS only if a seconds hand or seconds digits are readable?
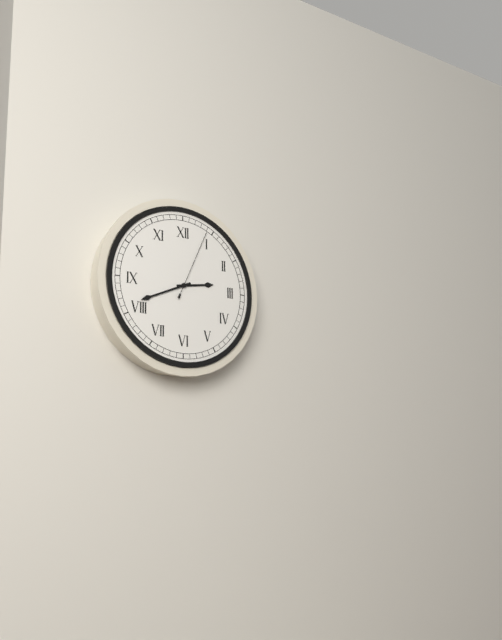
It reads 2:41:04
